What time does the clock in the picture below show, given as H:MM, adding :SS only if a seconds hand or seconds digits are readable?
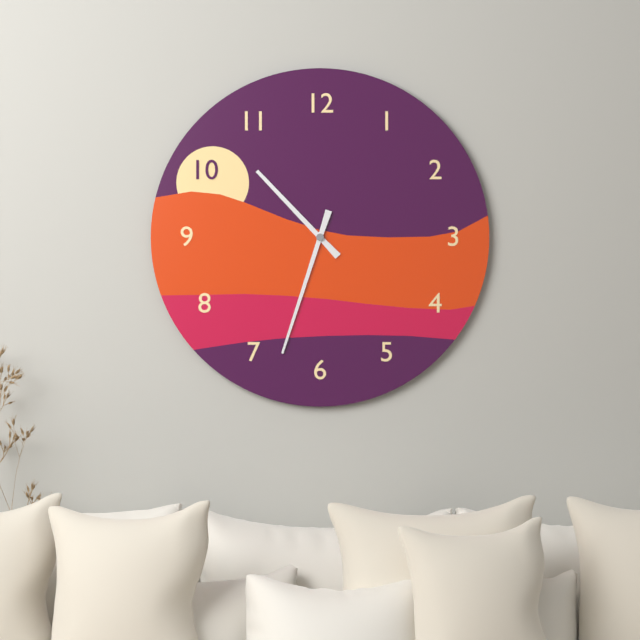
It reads 10:33
